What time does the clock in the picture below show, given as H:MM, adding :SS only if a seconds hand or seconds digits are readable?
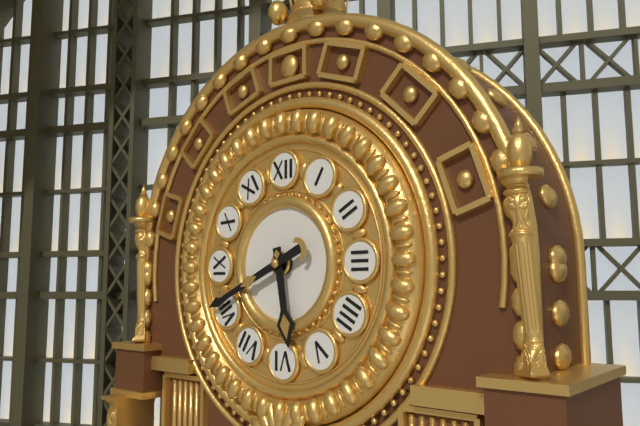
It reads 5:41
